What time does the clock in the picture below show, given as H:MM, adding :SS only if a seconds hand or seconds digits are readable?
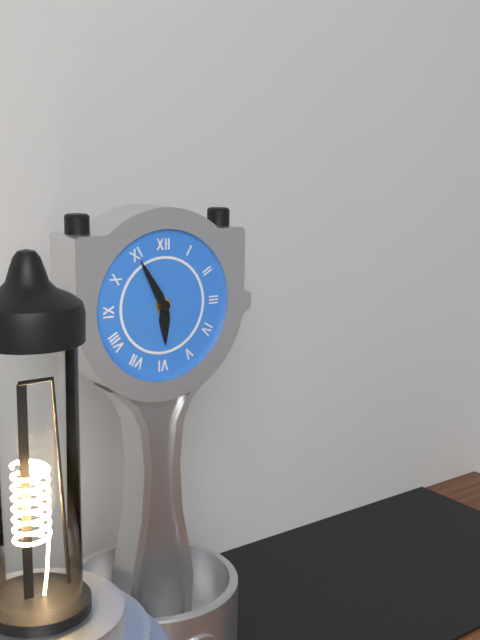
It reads 5:55
